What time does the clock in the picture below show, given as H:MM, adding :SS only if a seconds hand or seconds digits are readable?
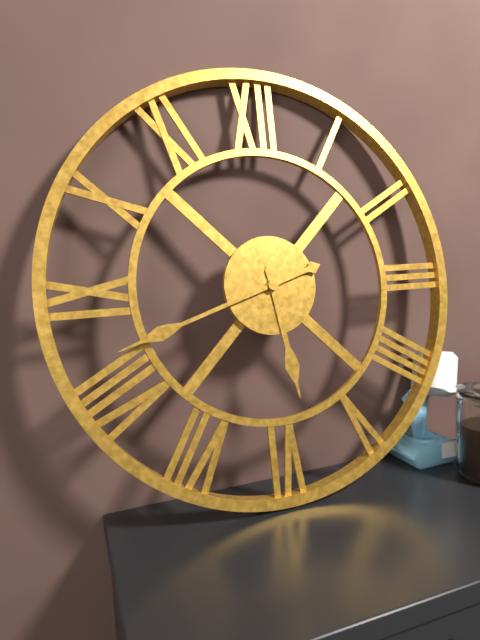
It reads 5:42
